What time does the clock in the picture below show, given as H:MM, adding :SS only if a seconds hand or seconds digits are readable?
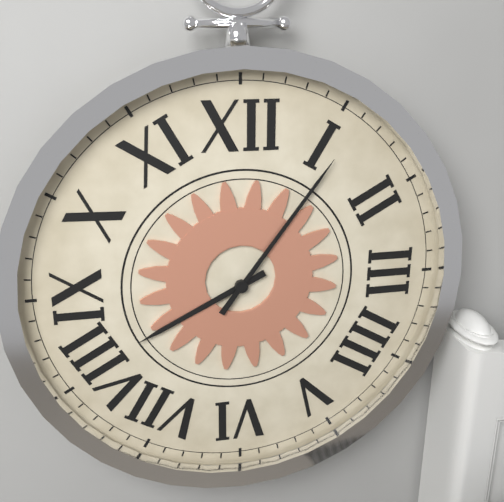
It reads 8:06
